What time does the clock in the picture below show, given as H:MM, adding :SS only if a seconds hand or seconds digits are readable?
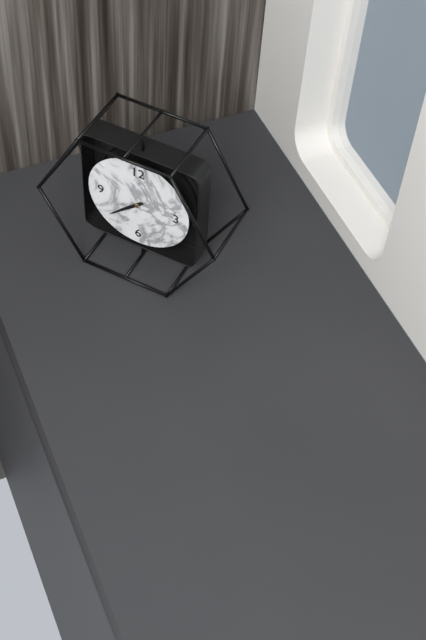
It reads 7:38
